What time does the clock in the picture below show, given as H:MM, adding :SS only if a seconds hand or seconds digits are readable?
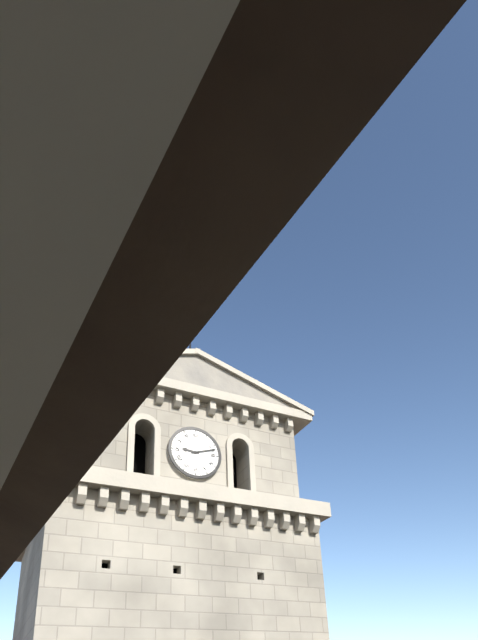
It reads 9:12
